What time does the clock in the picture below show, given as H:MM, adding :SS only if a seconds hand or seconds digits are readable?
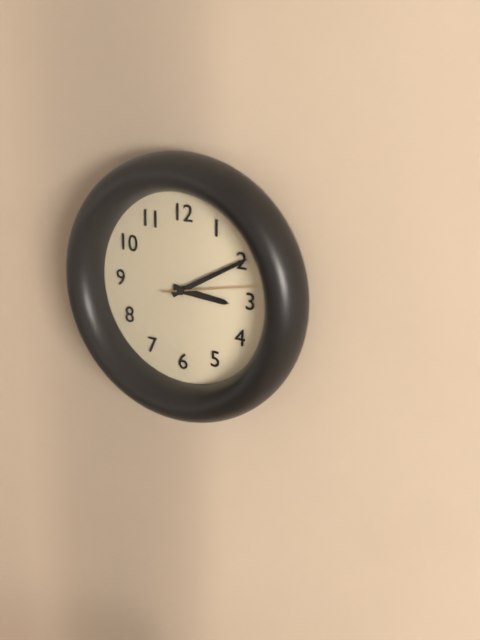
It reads 3:10:13
